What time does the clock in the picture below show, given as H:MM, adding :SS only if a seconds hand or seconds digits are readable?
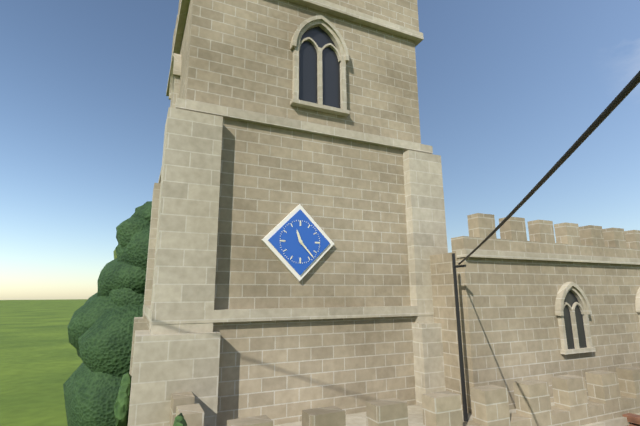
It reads 11:23
